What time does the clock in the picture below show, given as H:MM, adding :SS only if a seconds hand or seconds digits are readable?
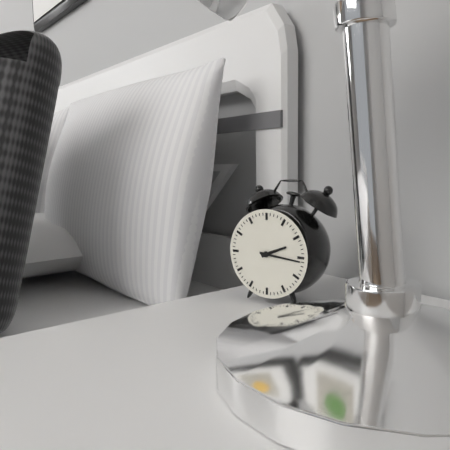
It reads 2:16
